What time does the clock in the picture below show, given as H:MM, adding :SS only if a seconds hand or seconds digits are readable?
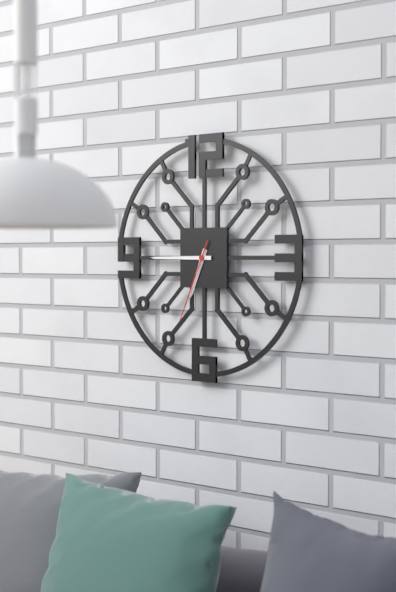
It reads 6:45:34
